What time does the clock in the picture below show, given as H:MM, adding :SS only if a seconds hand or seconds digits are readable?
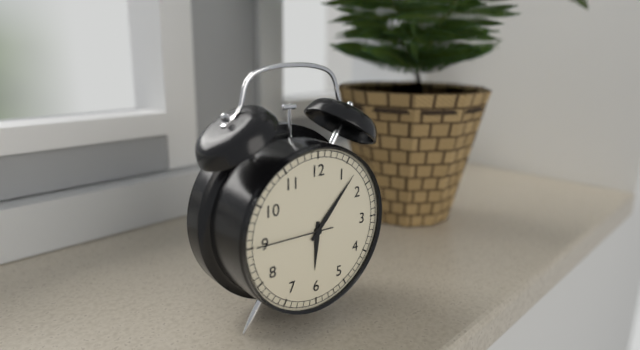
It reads 6:07:45
